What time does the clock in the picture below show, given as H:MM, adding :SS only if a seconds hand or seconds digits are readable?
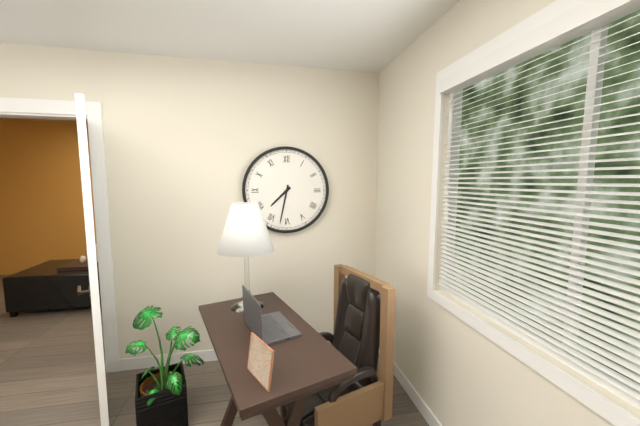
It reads 7:32
